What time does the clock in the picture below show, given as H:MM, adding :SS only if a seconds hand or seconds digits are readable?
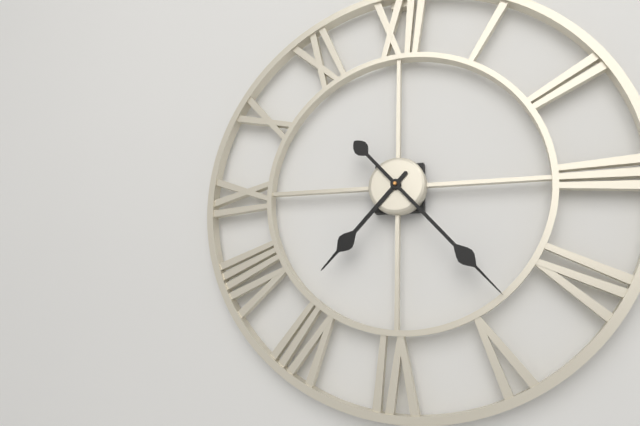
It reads 7:23
